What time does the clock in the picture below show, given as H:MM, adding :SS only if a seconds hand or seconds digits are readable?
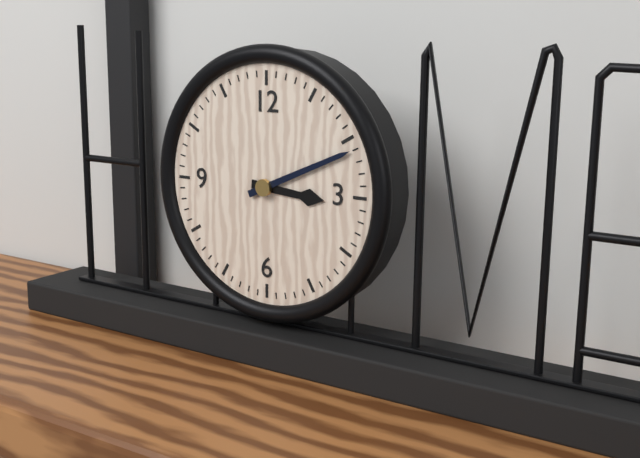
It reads 3:11
